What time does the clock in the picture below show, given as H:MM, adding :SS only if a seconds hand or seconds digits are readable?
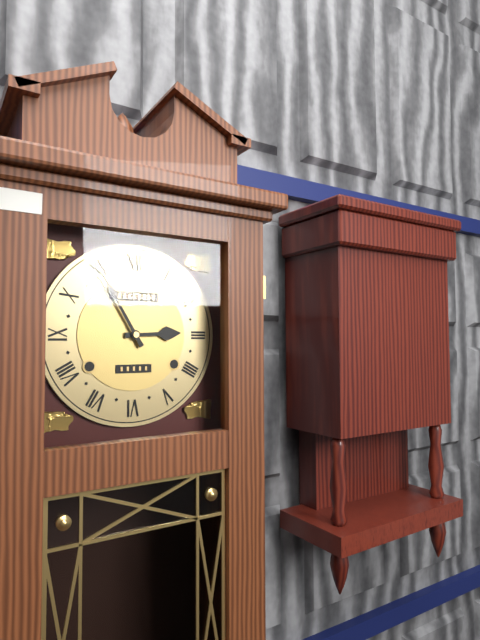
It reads 2:55
